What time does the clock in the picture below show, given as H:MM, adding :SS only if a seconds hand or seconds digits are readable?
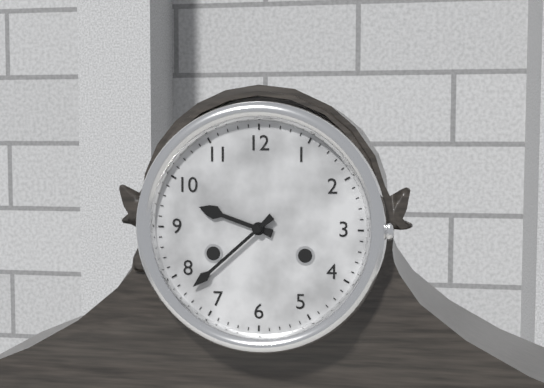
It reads 9:38
